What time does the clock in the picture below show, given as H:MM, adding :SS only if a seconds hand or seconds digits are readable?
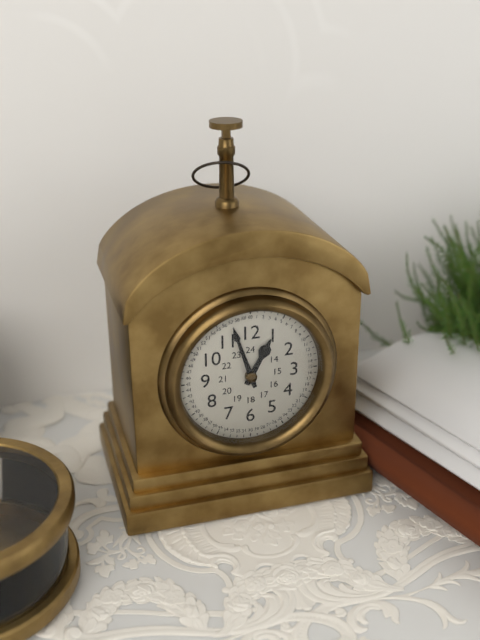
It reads 12:57
